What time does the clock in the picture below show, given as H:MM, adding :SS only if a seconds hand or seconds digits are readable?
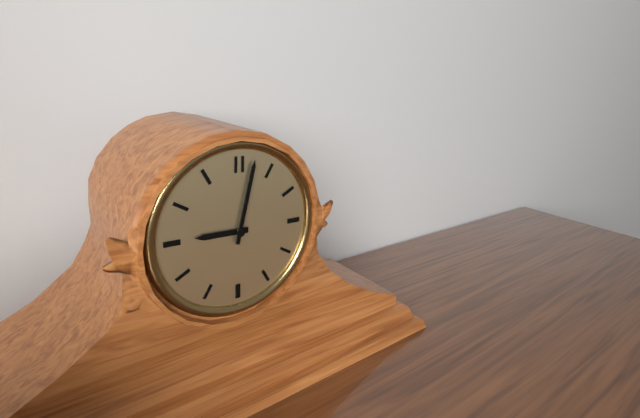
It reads 9:02
